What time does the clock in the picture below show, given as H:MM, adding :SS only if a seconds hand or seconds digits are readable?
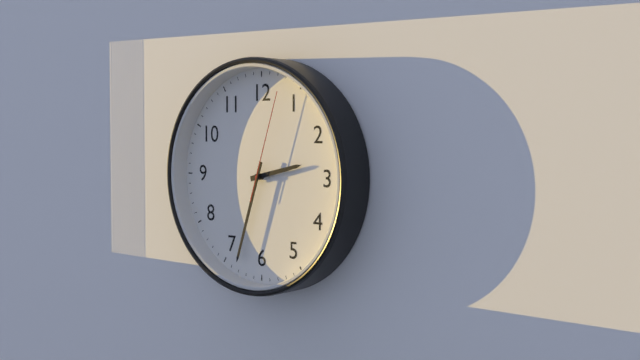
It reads 2:33:03
